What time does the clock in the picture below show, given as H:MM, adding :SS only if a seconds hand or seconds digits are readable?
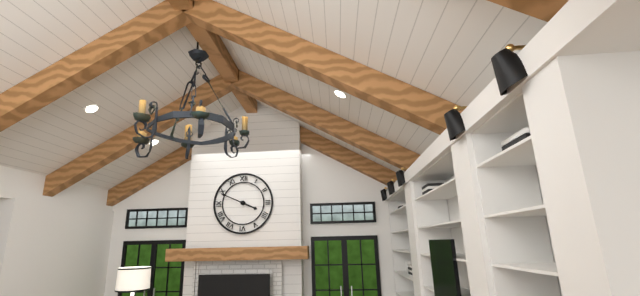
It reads 3:49
